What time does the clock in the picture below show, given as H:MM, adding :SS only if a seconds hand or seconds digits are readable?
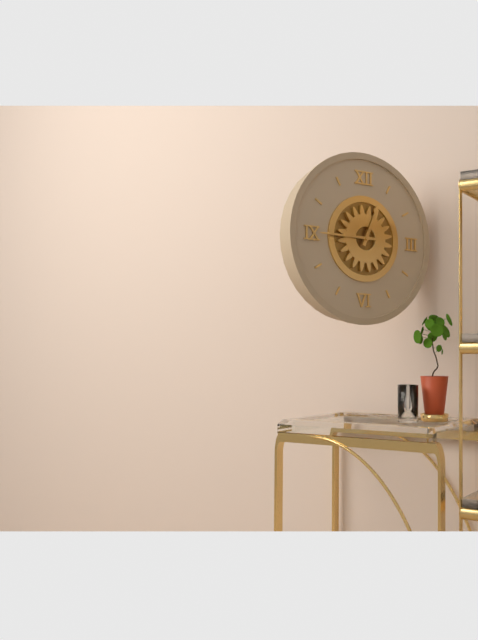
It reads 12:45
